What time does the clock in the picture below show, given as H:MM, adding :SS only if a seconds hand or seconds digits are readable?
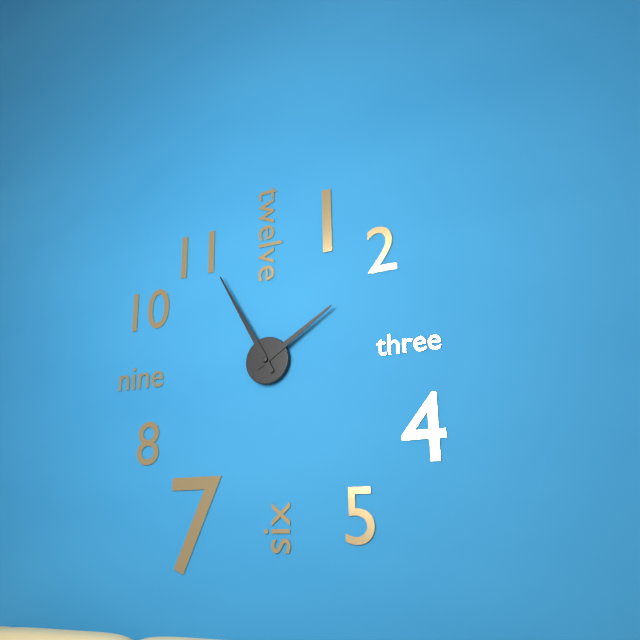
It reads 1:55
